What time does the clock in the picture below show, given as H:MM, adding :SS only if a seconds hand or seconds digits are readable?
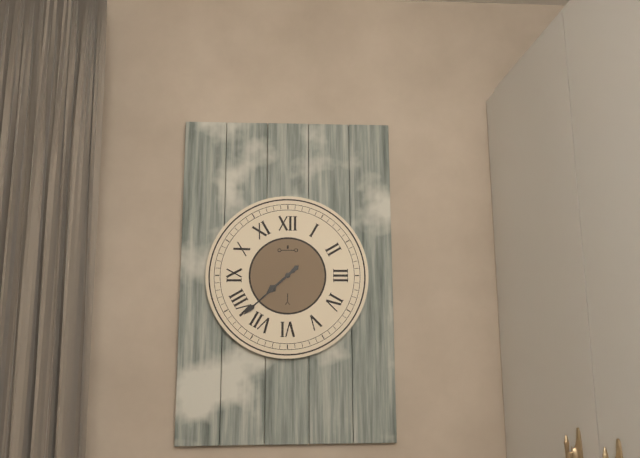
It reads 7:38
